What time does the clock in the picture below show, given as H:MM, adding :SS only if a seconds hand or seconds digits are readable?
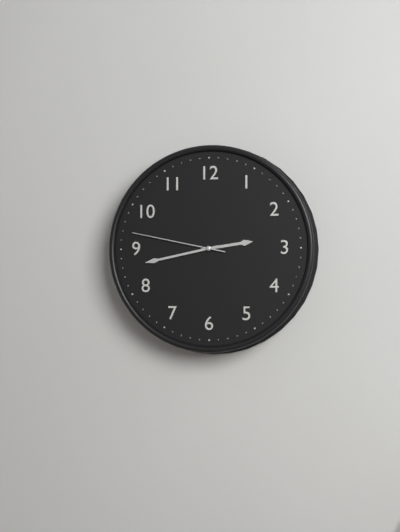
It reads 2:43:47
